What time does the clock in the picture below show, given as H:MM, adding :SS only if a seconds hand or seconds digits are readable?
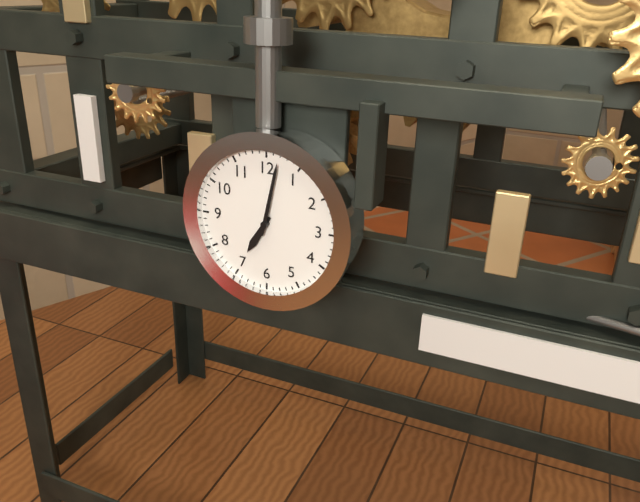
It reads 7:02
